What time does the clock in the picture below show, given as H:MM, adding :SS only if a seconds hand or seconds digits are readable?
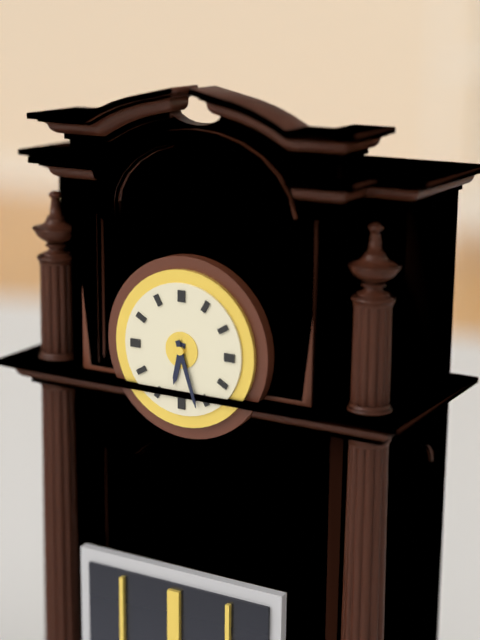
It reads 6:27
